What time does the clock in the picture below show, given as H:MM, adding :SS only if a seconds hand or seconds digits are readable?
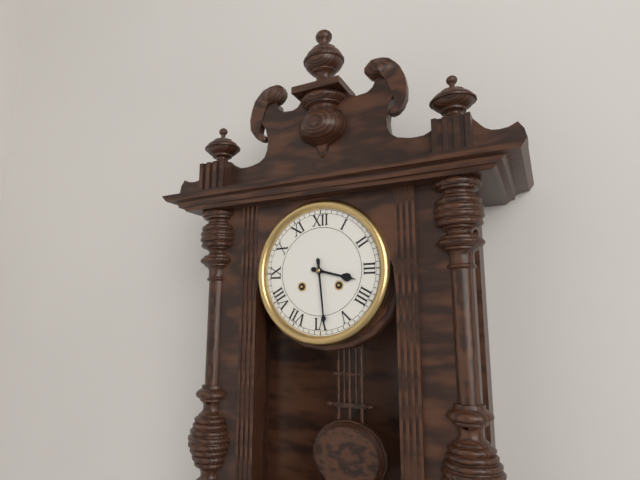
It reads 3:29
